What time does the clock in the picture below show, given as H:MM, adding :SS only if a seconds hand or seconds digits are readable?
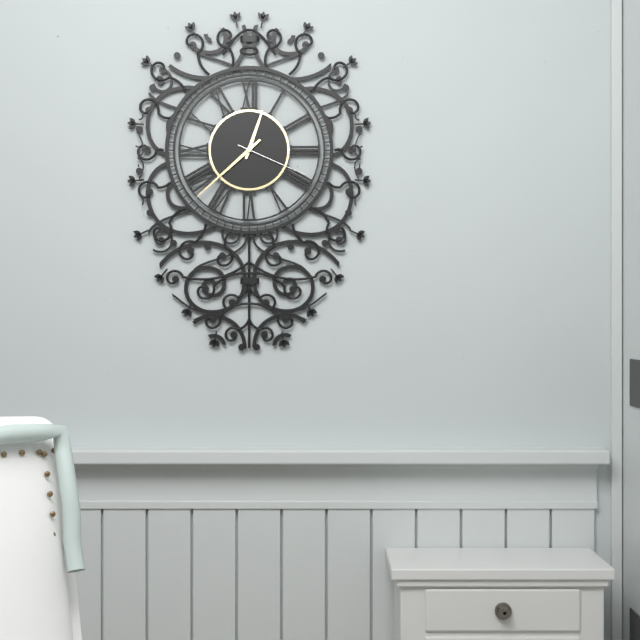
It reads 12:38:19
